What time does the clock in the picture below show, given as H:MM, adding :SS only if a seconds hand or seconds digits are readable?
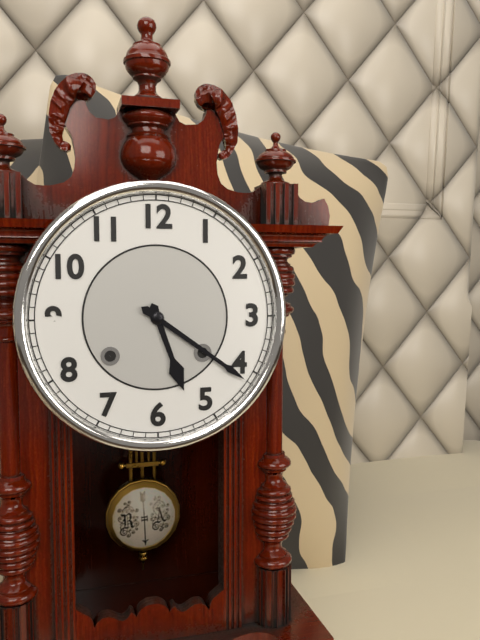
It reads 5:21
